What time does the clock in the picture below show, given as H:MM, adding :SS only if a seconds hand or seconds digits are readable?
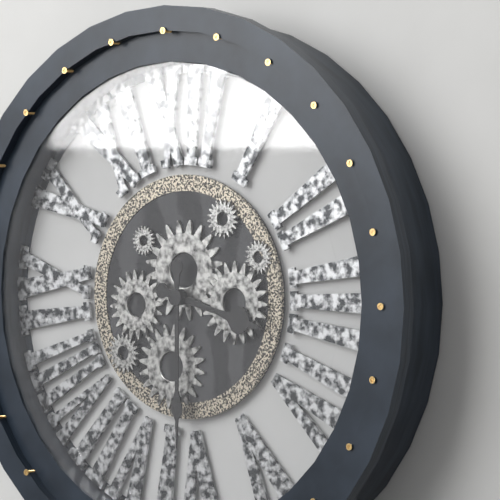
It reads 3:30
